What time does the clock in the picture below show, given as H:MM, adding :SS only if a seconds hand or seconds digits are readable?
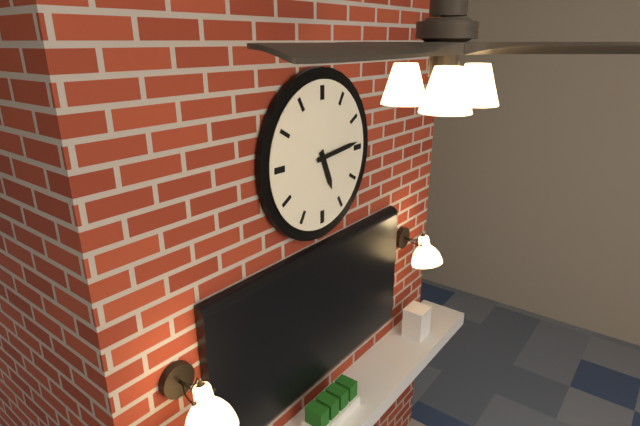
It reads 5:14
